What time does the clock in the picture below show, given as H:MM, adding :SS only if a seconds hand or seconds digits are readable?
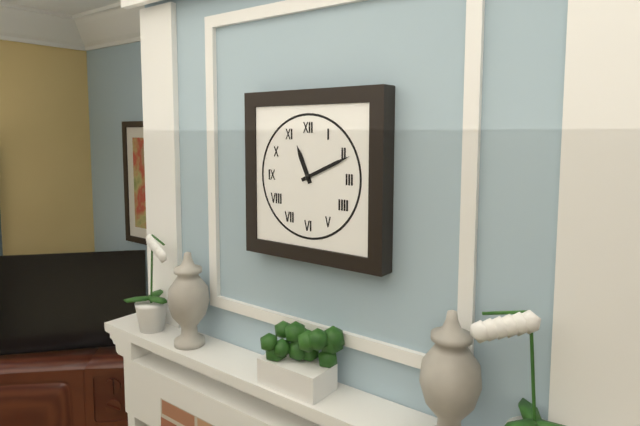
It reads 11:11
